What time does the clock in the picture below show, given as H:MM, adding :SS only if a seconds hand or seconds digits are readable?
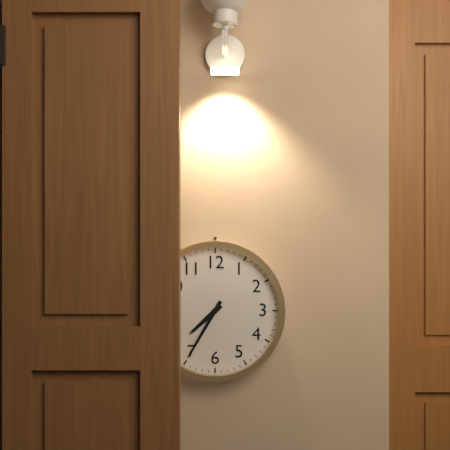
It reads 7:35
